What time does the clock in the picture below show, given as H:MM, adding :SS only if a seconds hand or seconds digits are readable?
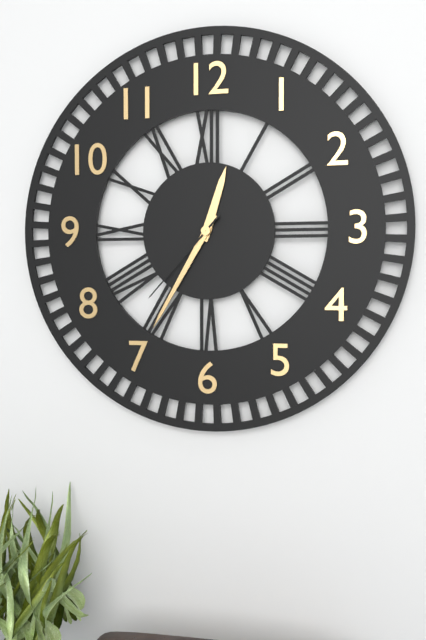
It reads 12:35:37
